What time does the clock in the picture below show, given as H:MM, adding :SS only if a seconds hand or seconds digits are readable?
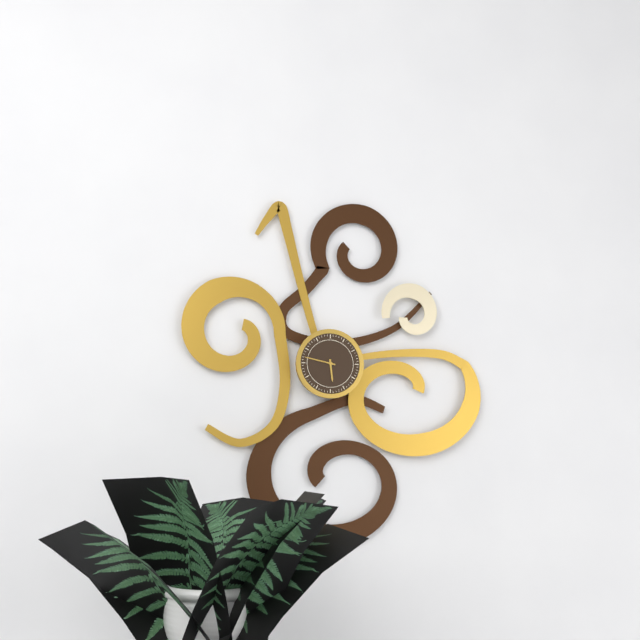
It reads 5:47
